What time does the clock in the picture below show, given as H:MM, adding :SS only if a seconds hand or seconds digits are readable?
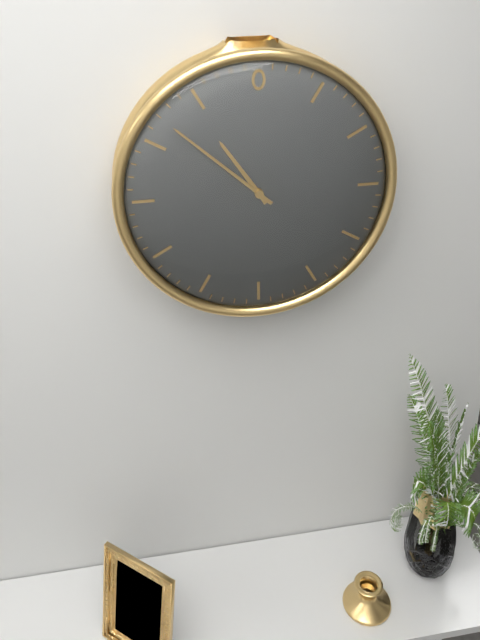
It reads 10:52
